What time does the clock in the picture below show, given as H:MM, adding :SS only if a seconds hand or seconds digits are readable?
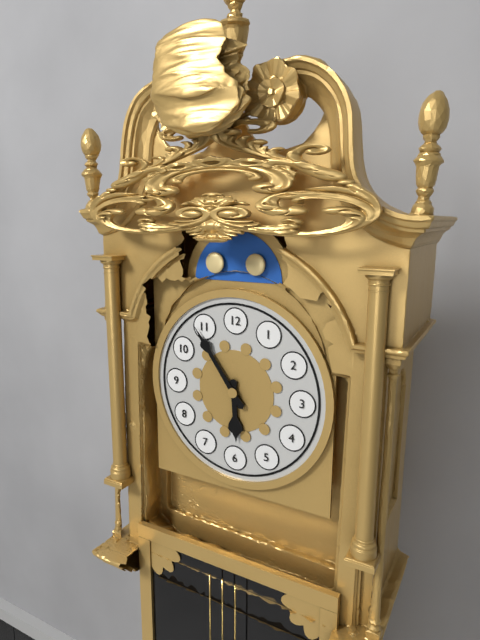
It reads 5:54
